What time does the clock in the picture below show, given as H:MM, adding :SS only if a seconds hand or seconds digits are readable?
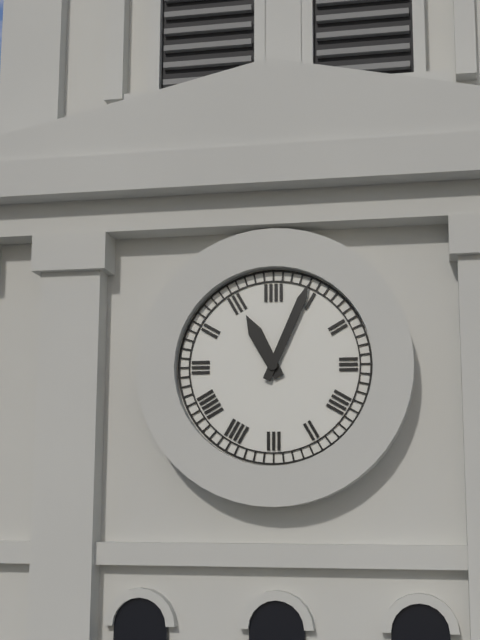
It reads 11:04
